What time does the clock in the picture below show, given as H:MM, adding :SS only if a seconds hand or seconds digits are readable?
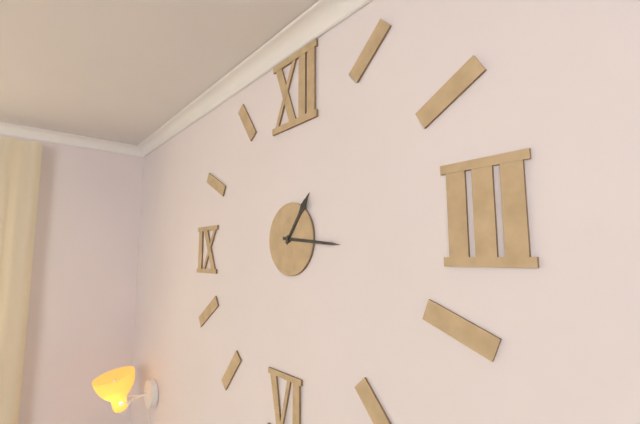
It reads 1:16
